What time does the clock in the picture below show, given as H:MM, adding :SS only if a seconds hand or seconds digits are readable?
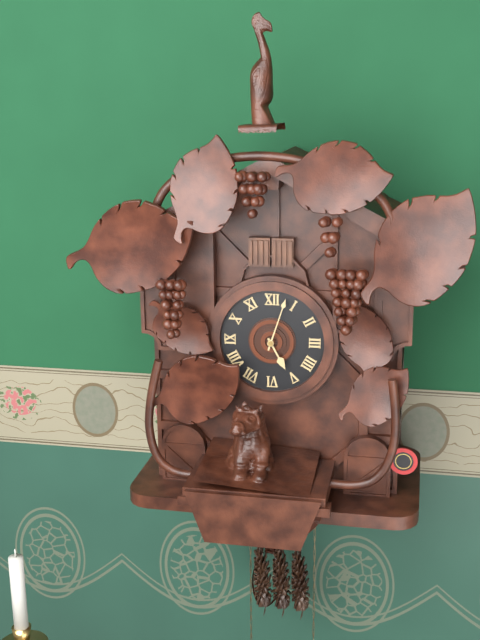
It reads 5:03
